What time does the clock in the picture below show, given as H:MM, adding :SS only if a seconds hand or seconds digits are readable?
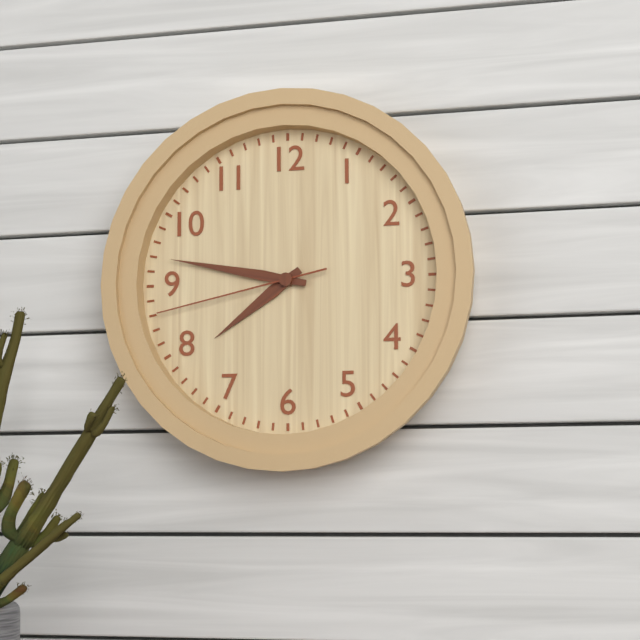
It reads 7:47:43
